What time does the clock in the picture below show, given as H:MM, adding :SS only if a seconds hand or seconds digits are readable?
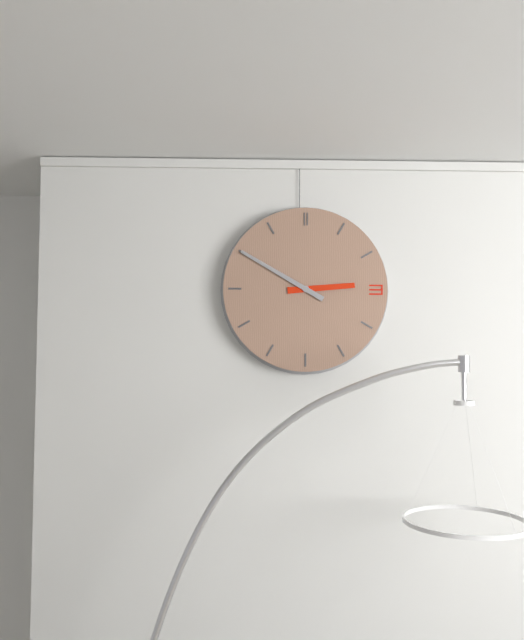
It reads 2:50
